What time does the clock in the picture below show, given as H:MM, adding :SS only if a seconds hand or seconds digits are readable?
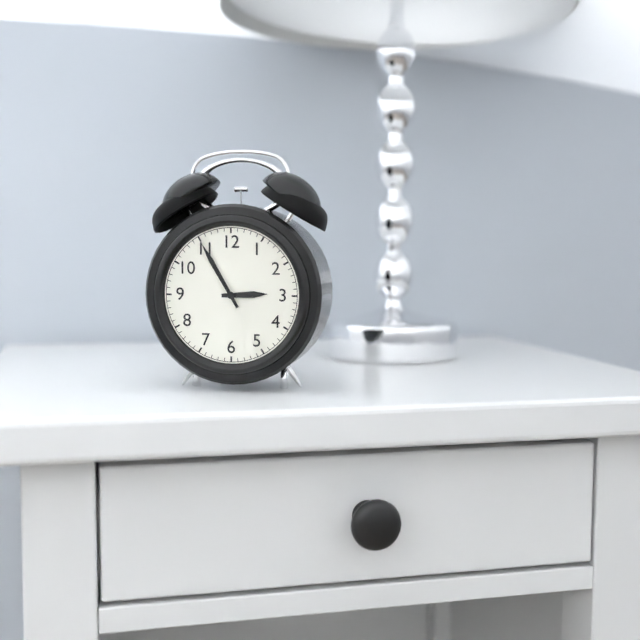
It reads 2:55
